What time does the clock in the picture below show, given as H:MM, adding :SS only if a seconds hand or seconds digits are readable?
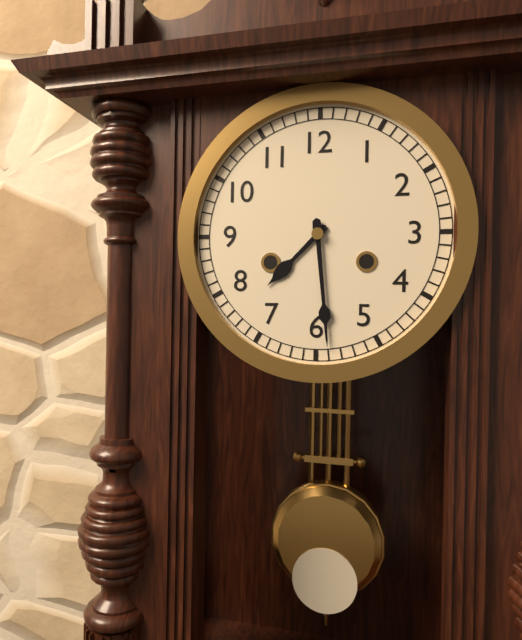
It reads 7:29
